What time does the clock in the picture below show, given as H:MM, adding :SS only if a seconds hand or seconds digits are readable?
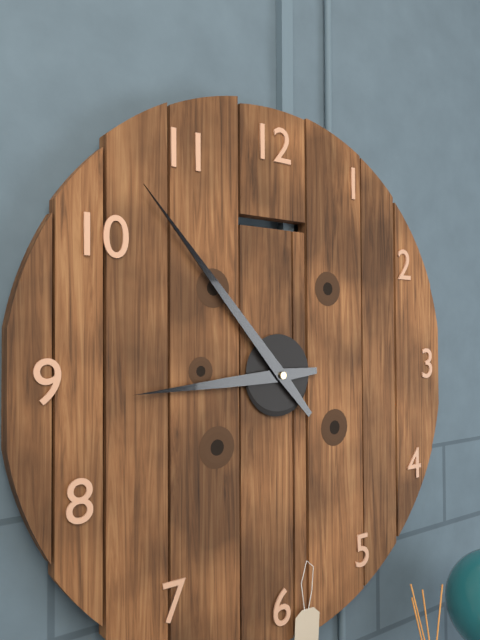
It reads 8:53
